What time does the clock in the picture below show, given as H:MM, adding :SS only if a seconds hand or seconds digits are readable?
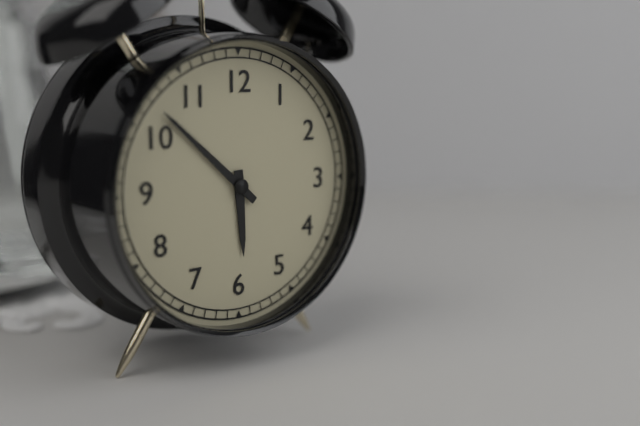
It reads 5:52
